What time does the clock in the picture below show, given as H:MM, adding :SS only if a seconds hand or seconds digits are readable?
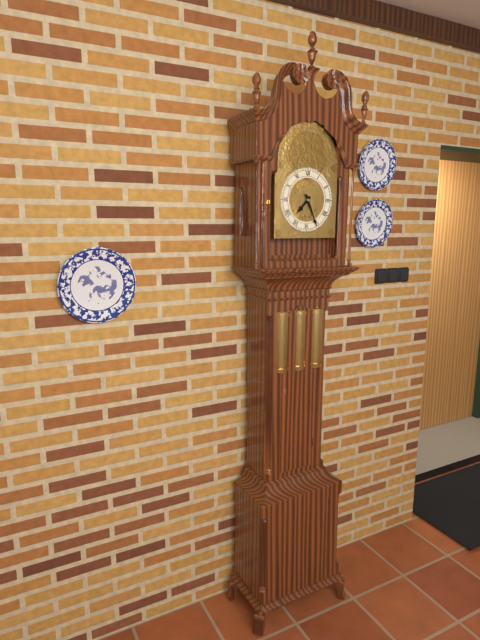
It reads 7:26
